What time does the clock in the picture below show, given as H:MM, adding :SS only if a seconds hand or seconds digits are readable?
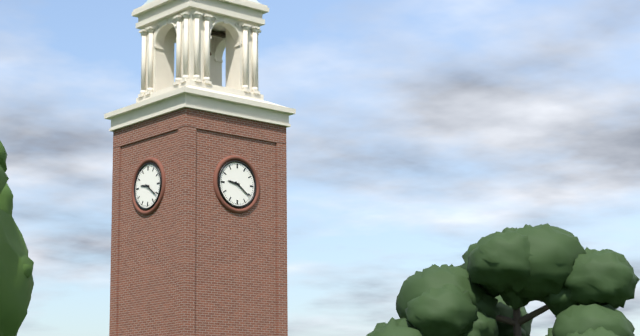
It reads 9:21
